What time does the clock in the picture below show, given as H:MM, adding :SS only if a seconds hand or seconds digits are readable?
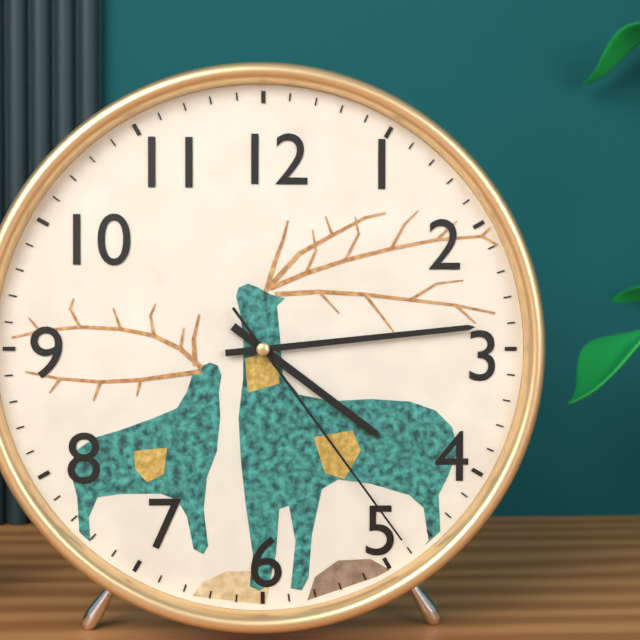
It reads 4:14:24
